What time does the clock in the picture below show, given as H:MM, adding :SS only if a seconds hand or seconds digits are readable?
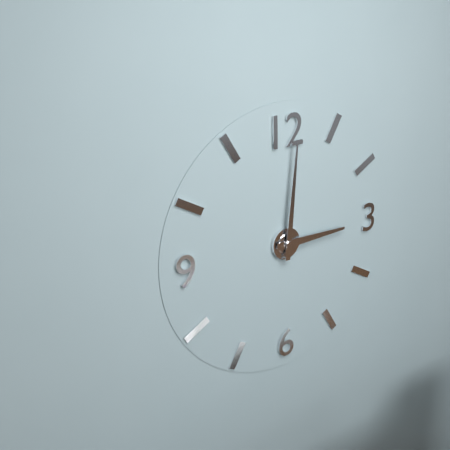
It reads 3:01
